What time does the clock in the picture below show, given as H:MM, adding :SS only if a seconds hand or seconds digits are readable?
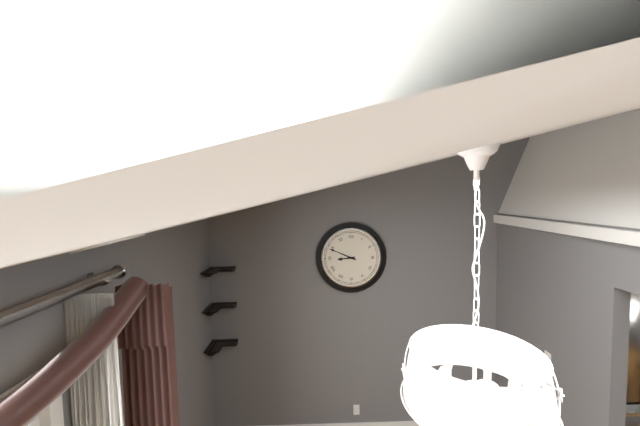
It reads 8:49
